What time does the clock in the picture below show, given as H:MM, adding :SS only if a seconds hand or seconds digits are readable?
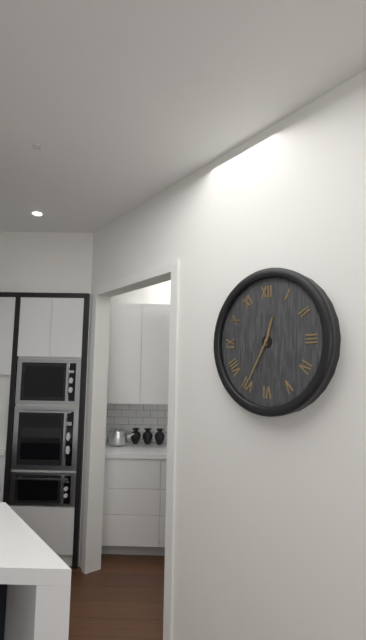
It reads 12:35
